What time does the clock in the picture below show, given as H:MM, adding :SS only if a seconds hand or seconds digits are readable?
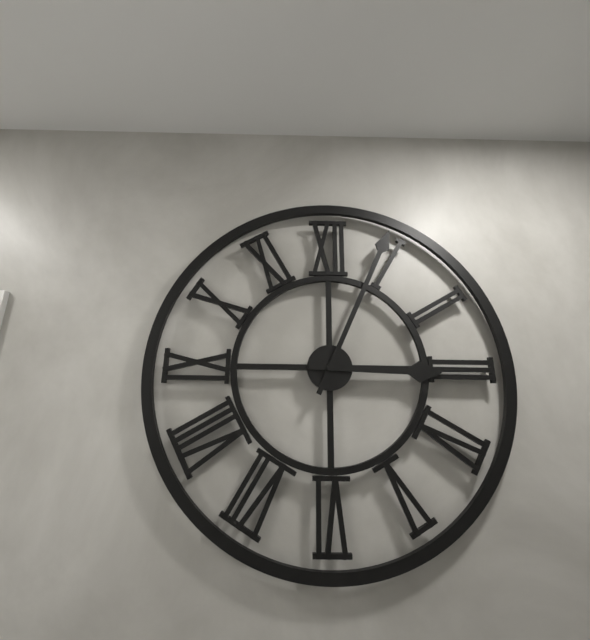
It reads 3:04
